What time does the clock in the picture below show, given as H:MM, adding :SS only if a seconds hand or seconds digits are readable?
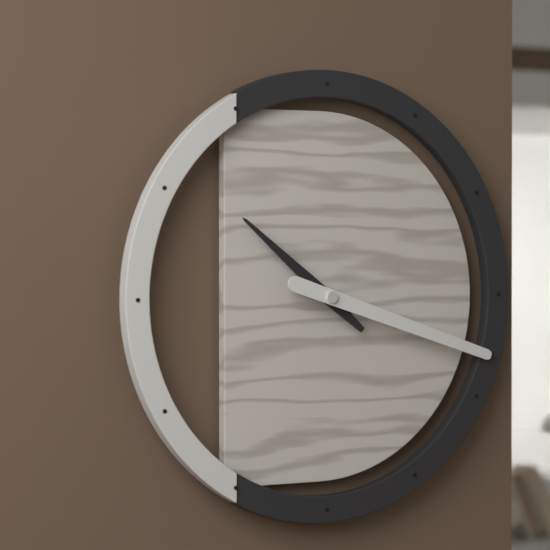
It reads 10:18
